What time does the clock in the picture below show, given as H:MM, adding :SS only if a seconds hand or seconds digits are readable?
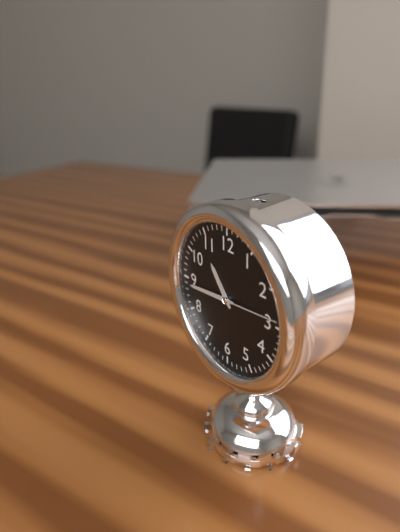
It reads 10:44:14
